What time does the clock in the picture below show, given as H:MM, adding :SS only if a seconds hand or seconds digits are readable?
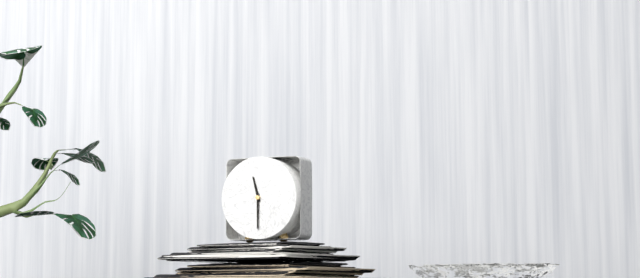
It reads 11:30
